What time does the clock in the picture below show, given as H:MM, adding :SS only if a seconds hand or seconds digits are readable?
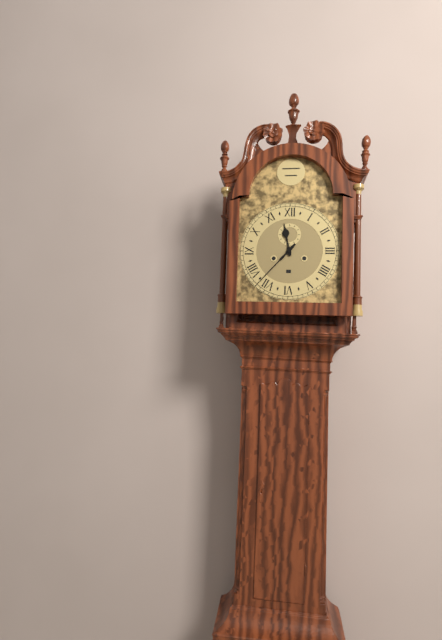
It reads 11:37
